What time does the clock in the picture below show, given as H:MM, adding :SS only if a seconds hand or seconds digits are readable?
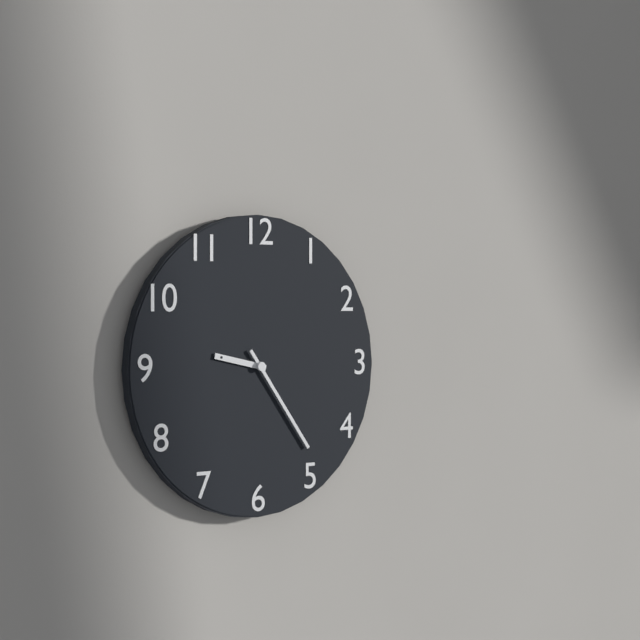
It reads 9:24
